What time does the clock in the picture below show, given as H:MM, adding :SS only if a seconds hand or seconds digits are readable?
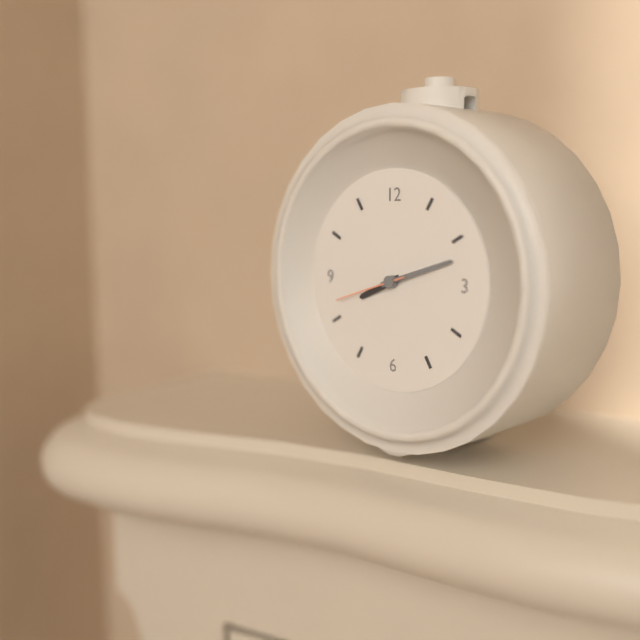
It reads 8:12:42
